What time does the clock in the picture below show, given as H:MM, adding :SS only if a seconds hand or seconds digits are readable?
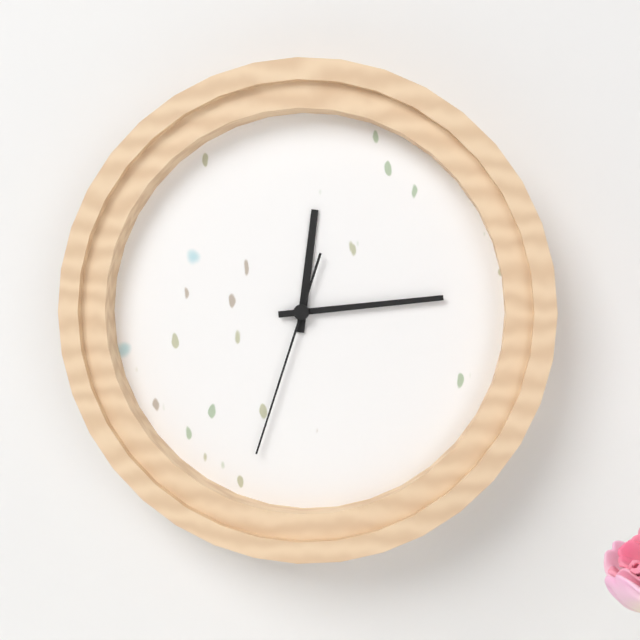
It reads 12:14:33
